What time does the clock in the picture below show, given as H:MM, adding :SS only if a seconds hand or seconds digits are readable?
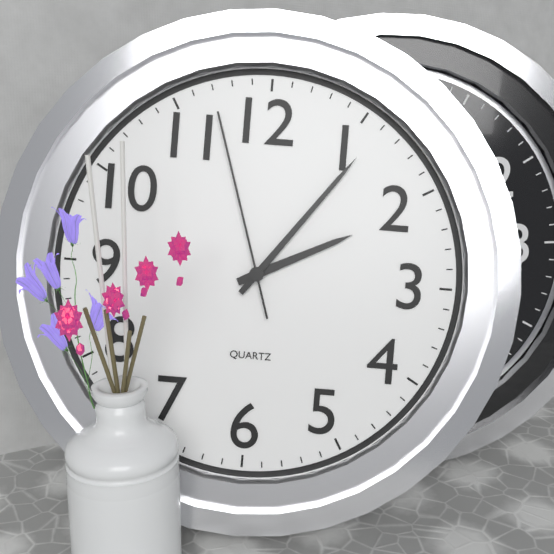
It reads 2:06:57
